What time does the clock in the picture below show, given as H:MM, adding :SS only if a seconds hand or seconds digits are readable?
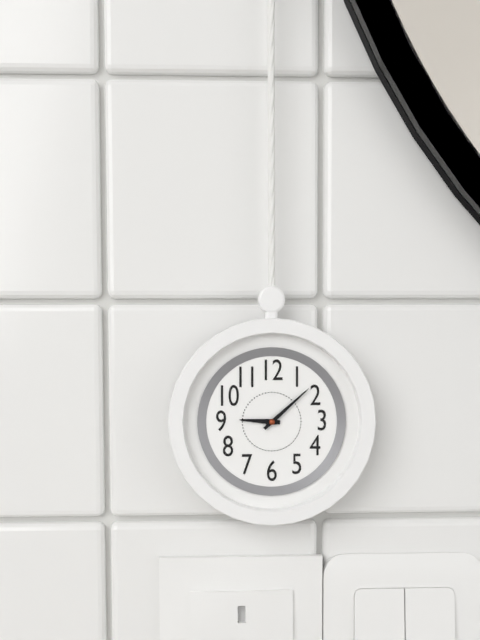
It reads 9:08
